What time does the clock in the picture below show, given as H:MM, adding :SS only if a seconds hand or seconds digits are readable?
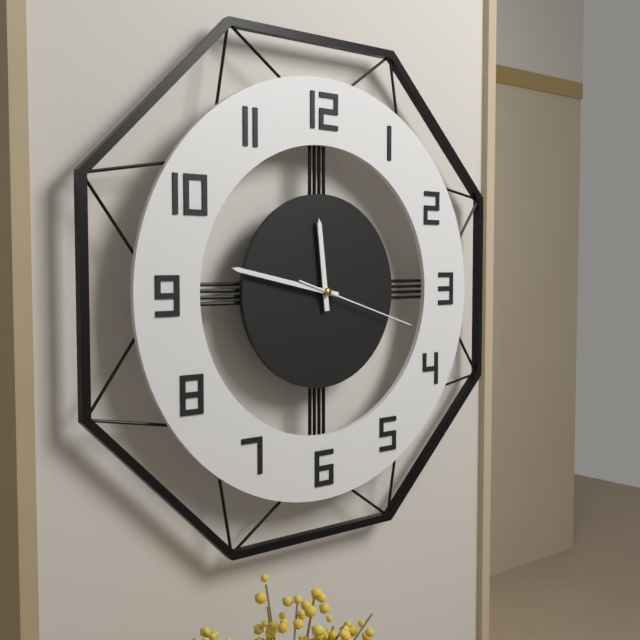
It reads 11:47:18
